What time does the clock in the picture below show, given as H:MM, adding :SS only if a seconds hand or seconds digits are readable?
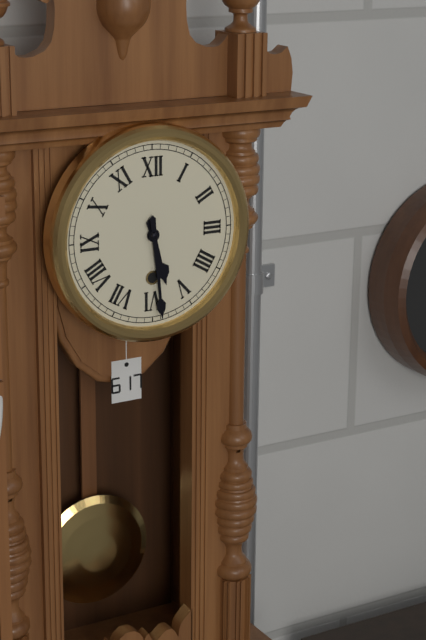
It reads 5:29
